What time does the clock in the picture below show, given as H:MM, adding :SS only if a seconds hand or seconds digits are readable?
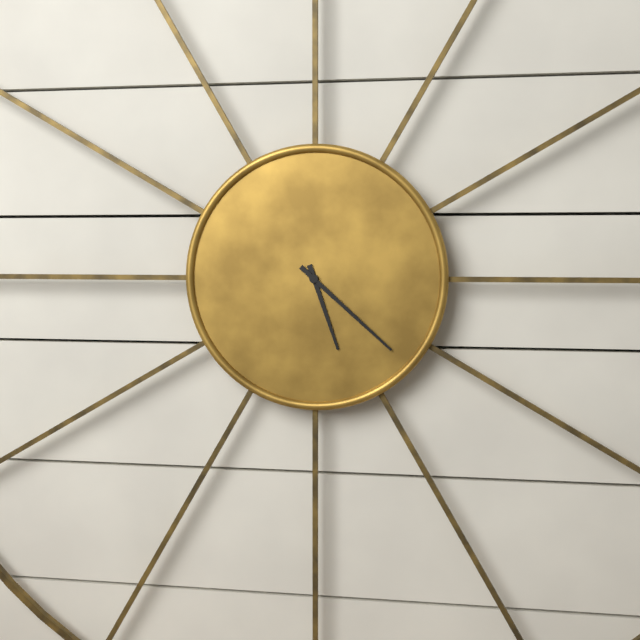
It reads 5:22
